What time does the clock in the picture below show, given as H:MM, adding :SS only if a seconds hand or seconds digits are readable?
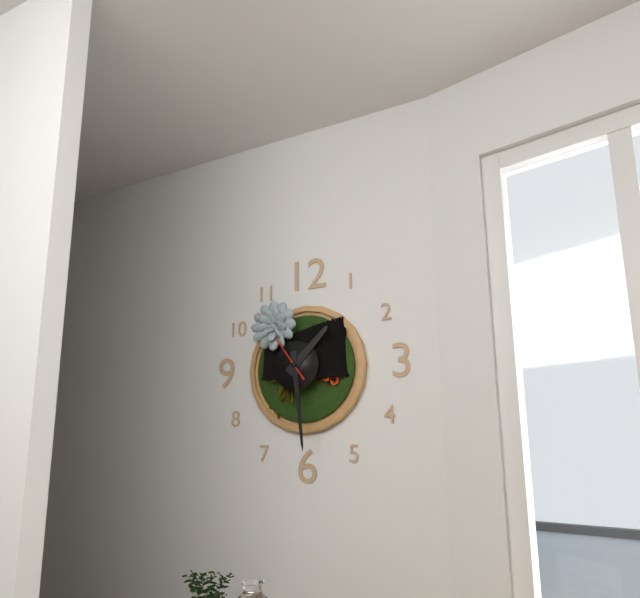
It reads 1:29
